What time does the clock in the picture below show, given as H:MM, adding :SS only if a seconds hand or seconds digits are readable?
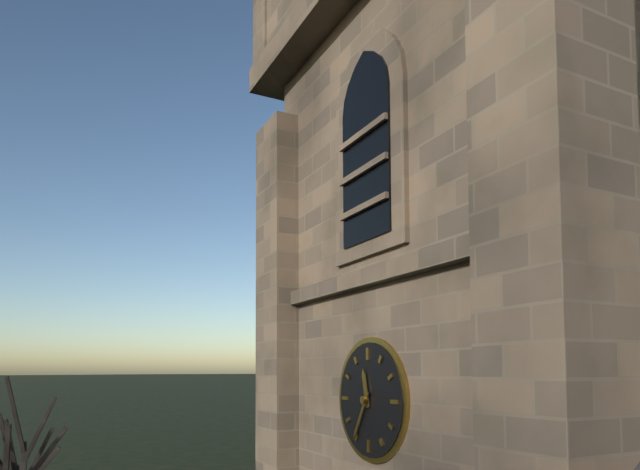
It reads 11:35
